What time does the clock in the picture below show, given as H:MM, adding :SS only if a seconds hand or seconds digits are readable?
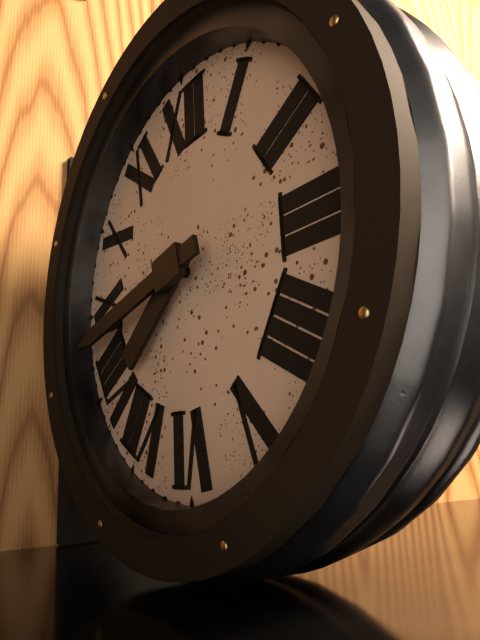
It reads 7:43
